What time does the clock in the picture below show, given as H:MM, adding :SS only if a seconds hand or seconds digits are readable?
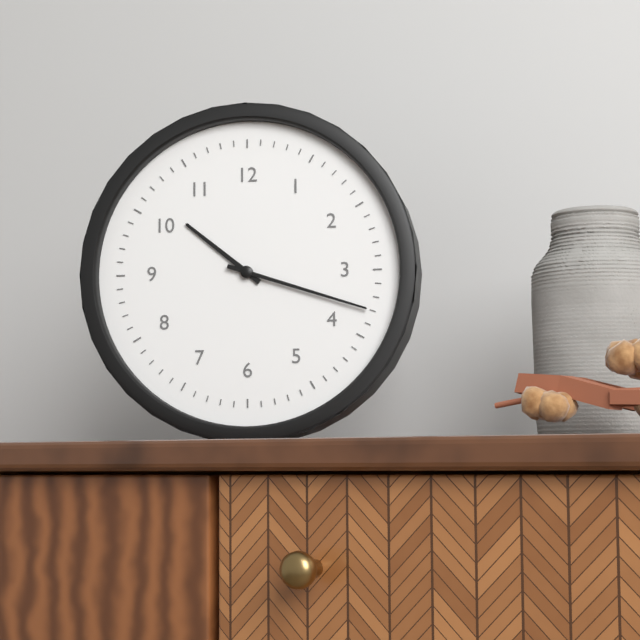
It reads 10:18
